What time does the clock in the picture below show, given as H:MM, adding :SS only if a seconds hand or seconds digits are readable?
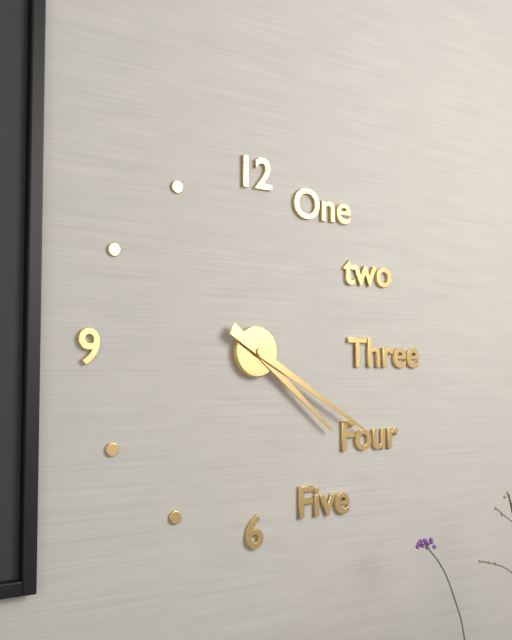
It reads 4:20
